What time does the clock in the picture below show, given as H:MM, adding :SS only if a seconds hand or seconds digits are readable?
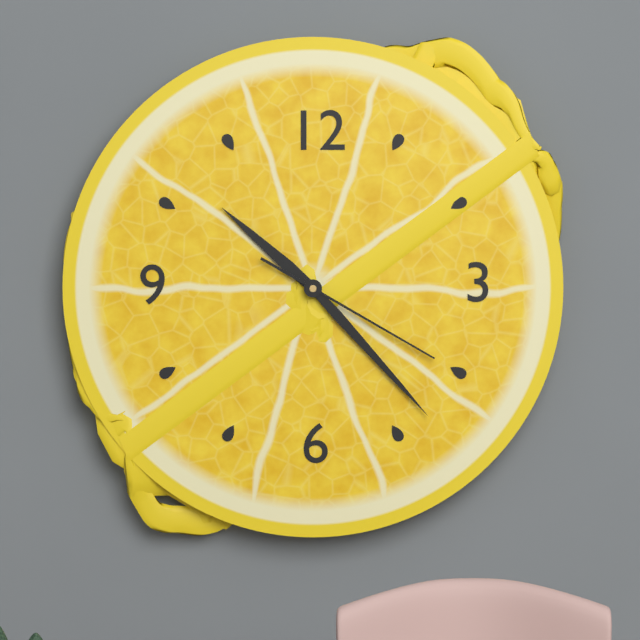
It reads 10:23:20
